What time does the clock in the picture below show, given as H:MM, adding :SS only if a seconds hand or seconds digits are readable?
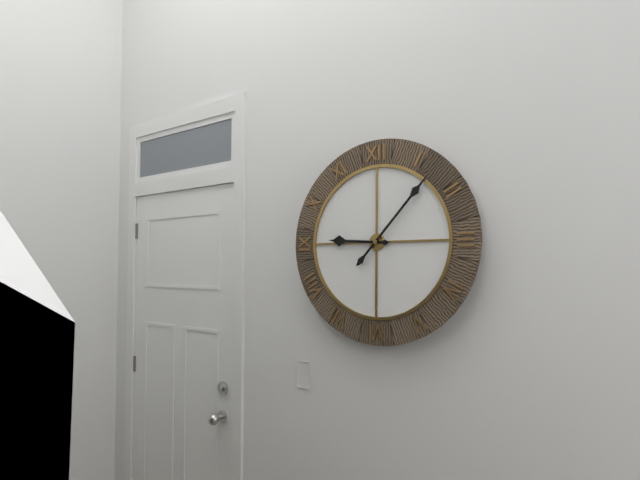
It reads 9:07
